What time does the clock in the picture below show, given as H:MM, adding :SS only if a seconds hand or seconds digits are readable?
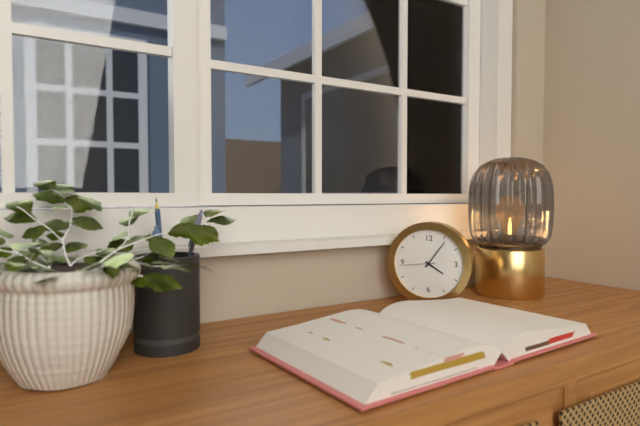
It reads 4:06
